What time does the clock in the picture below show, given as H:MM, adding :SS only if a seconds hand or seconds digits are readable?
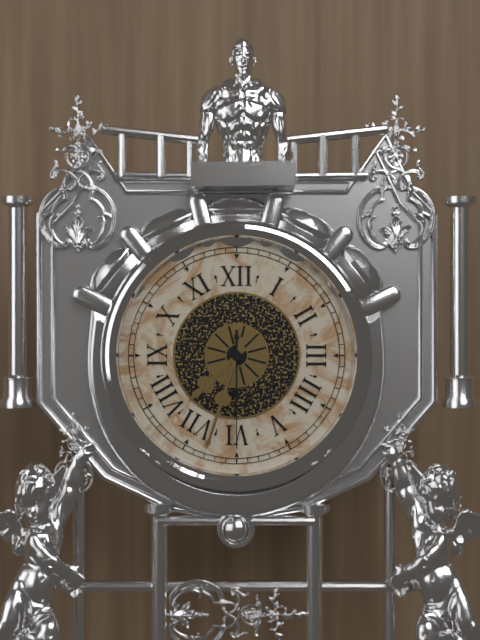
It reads 7:33:30
